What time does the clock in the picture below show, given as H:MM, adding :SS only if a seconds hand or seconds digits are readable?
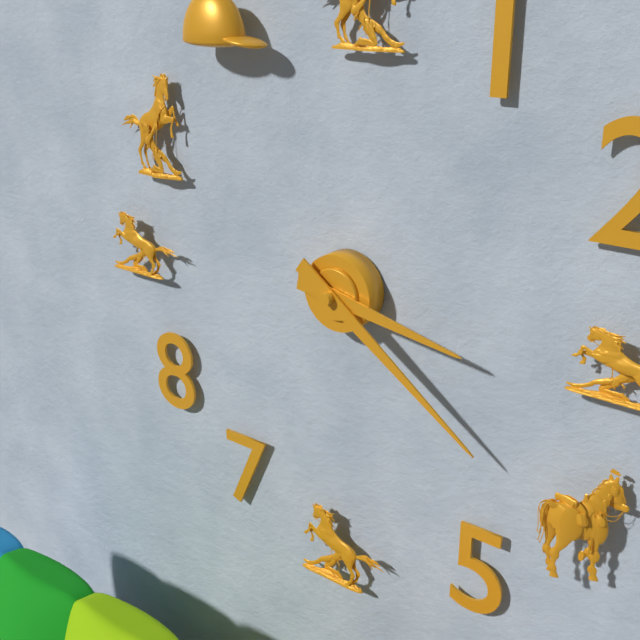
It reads 3:21
